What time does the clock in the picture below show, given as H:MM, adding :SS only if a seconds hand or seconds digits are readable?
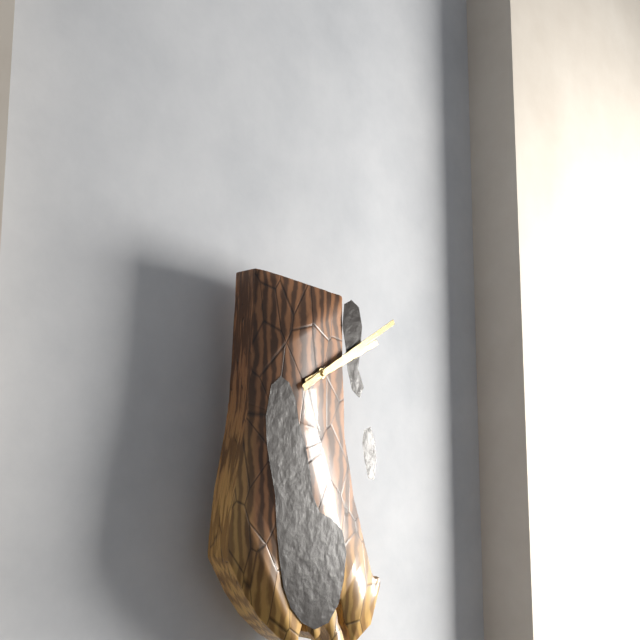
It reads 2:10
